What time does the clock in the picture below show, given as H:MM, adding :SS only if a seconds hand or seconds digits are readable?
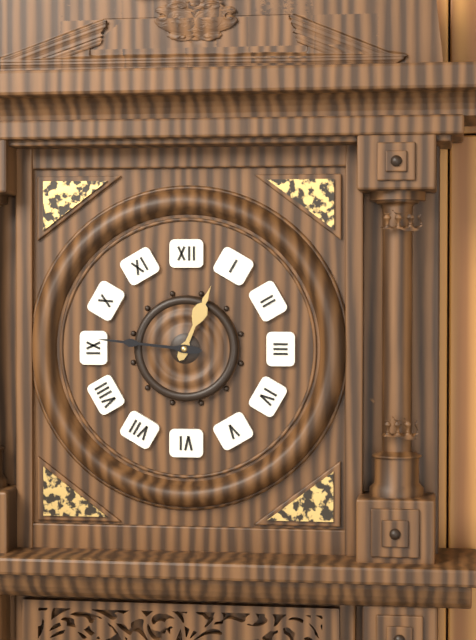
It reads 12:46
